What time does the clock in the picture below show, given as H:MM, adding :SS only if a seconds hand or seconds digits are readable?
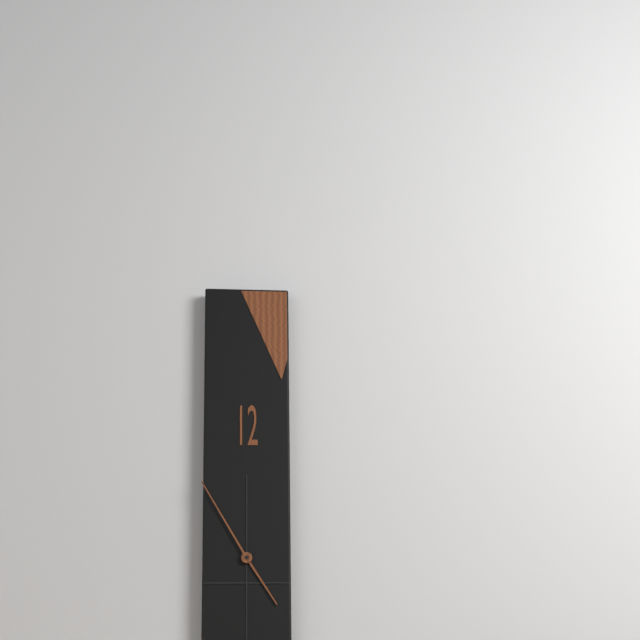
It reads 4:55
